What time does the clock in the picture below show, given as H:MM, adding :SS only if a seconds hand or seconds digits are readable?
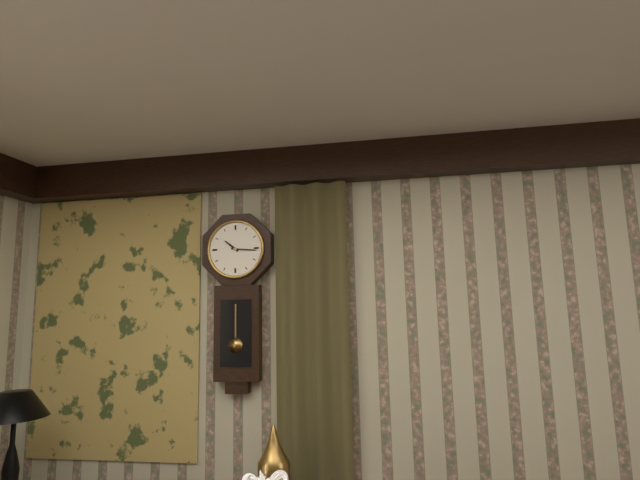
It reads 10:16
